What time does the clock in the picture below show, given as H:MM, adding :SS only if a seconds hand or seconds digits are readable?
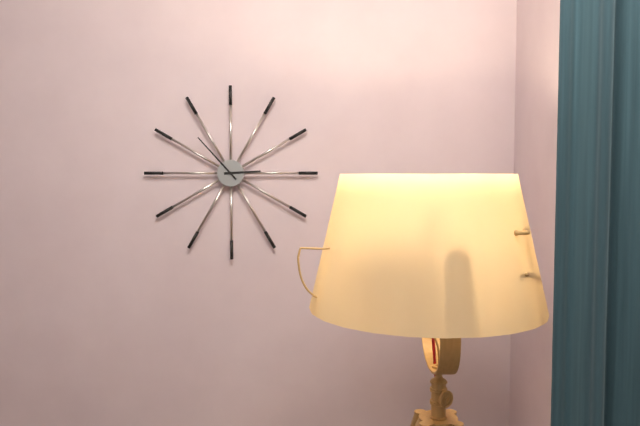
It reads 2:53
